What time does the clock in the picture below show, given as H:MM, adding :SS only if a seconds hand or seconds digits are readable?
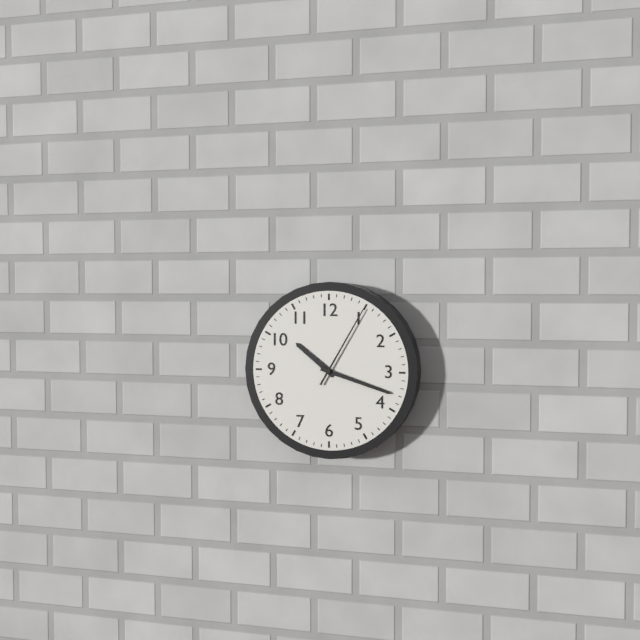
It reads 10:18:05
